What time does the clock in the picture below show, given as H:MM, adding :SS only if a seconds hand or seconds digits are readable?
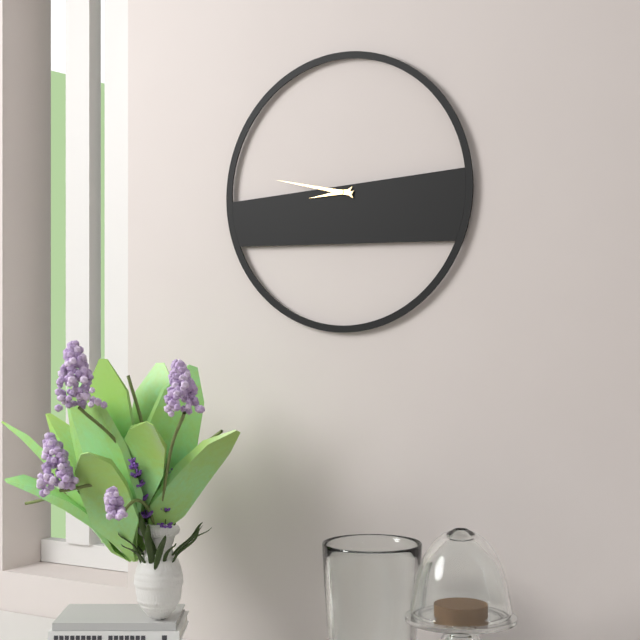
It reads 8:47
